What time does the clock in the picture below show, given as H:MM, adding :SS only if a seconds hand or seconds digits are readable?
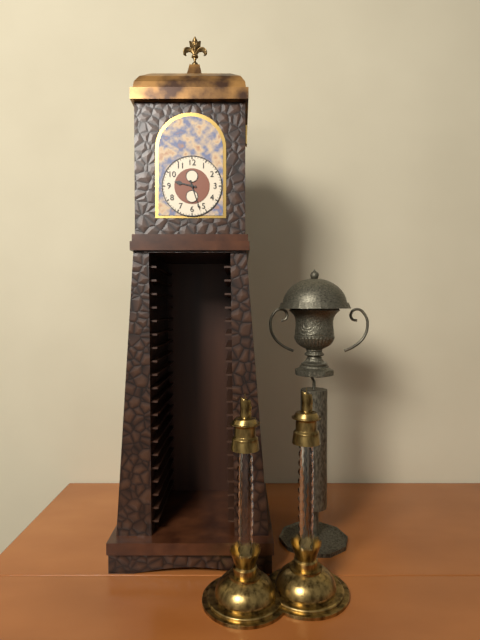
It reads 9:27
